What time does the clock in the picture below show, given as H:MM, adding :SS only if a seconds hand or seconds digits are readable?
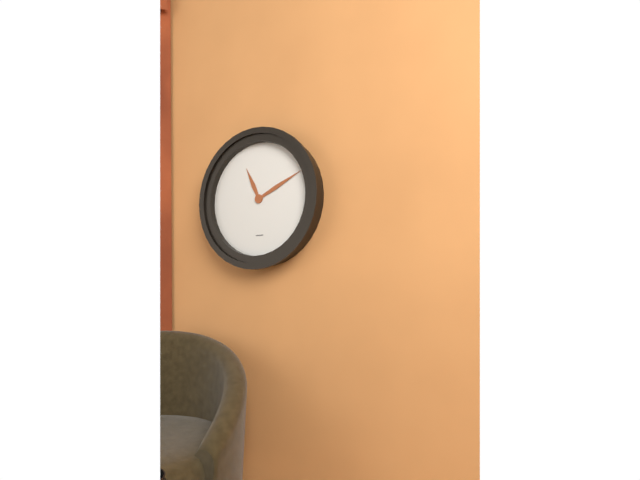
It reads 11:11
